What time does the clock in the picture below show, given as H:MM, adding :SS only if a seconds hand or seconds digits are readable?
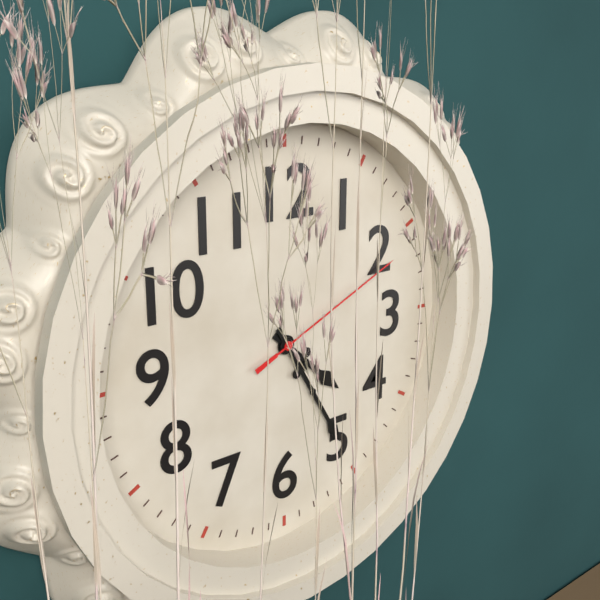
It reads 4:25:11
